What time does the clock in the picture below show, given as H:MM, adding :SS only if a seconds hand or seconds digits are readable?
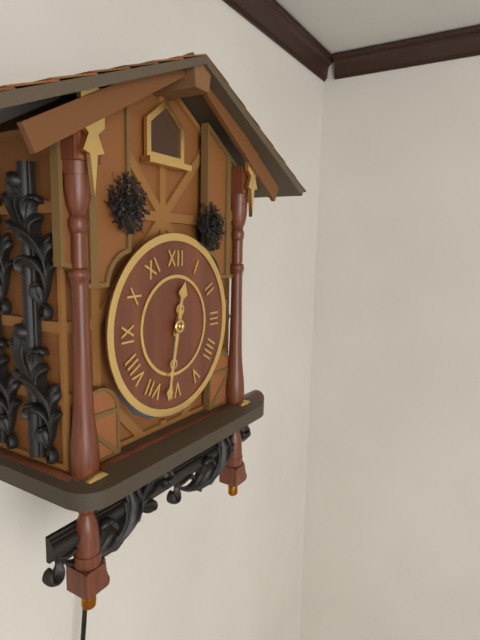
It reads 12:32
